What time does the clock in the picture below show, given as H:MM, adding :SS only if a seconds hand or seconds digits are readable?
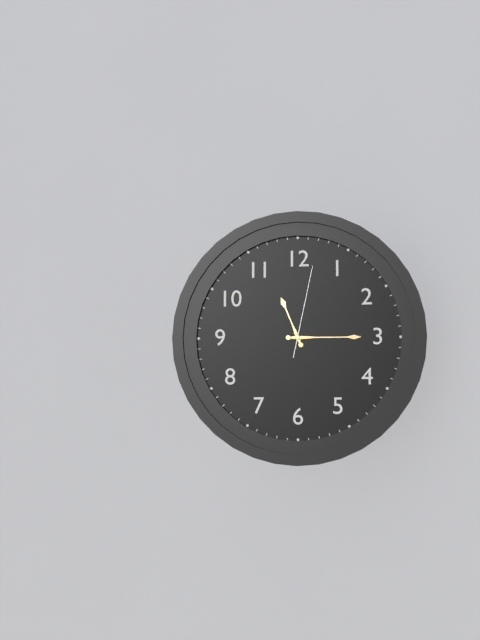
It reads 11:15:02
